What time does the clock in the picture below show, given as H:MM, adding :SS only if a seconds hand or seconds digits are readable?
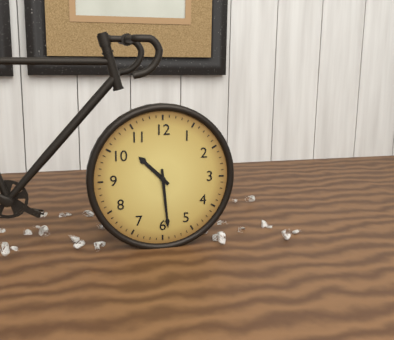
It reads 10:29
